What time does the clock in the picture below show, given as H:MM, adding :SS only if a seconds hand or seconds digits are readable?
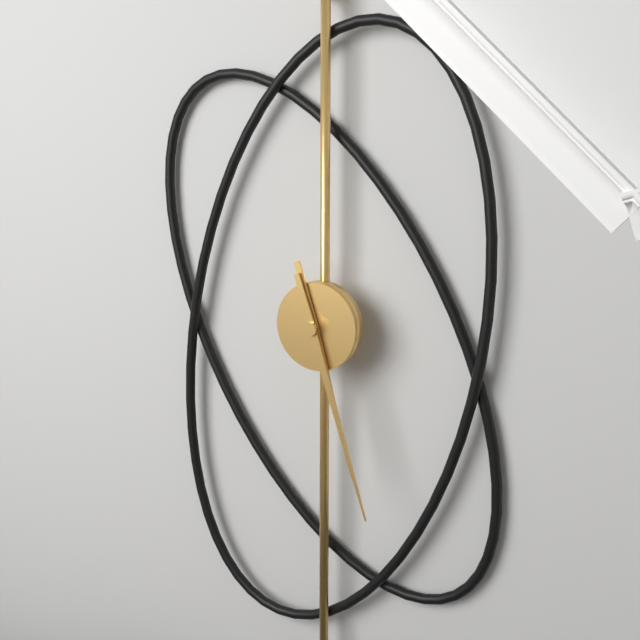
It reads 5:27
